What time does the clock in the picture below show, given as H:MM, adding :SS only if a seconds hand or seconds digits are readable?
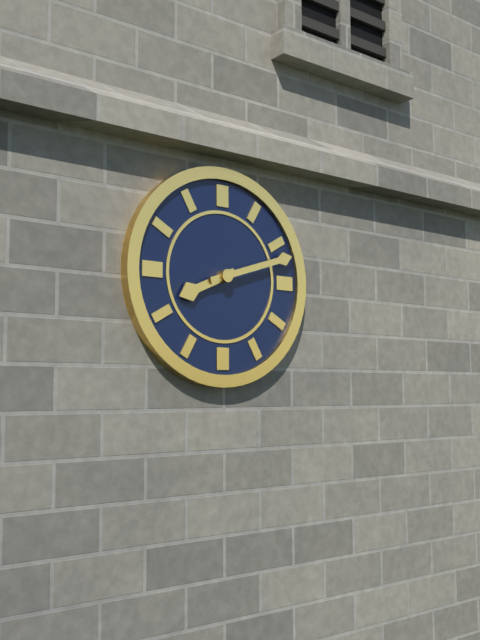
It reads 8:12
